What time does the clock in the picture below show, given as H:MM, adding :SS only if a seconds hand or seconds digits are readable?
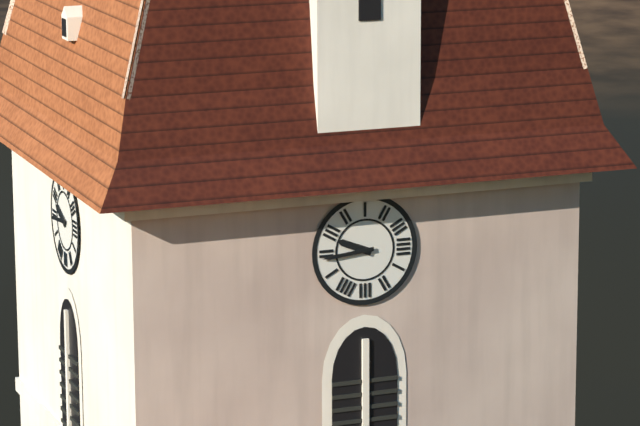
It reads 9:44
